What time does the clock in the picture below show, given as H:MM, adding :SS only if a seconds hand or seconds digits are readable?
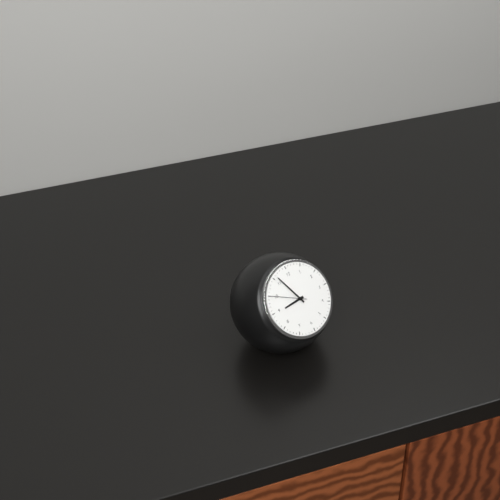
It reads 8:56
